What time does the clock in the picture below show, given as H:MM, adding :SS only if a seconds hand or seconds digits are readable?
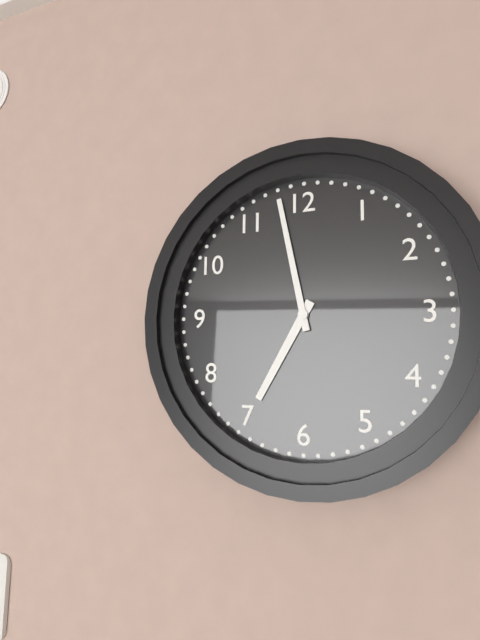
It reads 6:58
